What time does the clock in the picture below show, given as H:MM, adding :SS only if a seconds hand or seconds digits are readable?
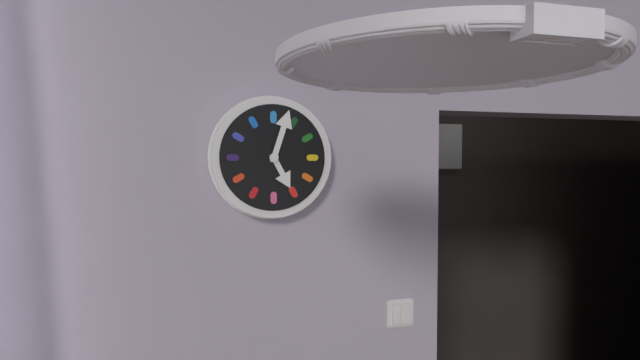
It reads 5:03
